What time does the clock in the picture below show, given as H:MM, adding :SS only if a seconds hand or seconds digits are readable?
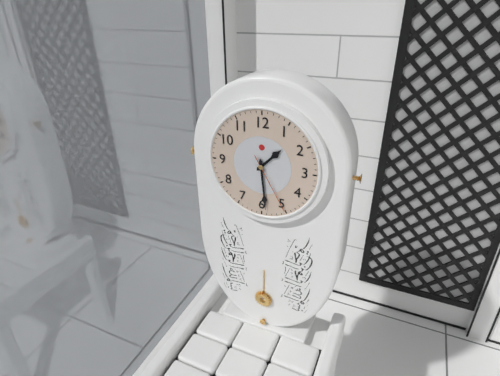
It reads 1:29:25
